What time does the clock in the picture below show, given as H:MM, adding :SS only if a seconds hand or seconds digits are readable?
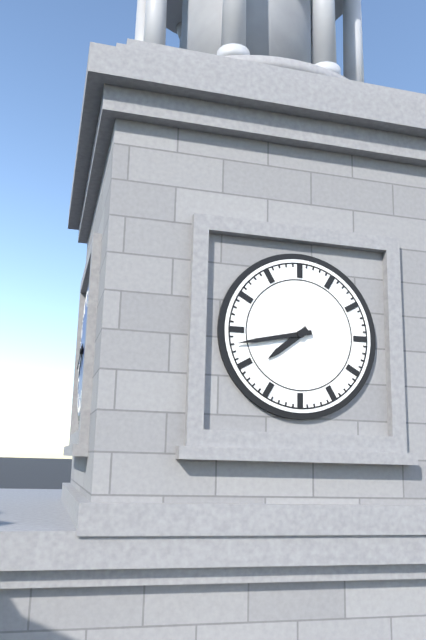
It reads 7:43
